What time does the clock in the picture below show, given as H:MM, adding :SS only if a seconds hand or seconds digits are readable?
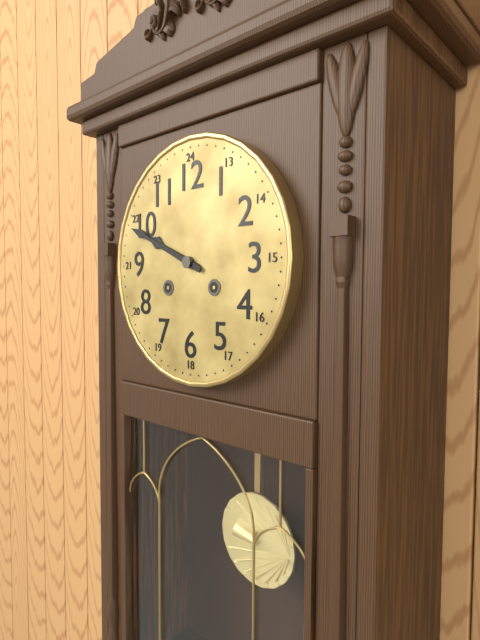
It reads 9:49
